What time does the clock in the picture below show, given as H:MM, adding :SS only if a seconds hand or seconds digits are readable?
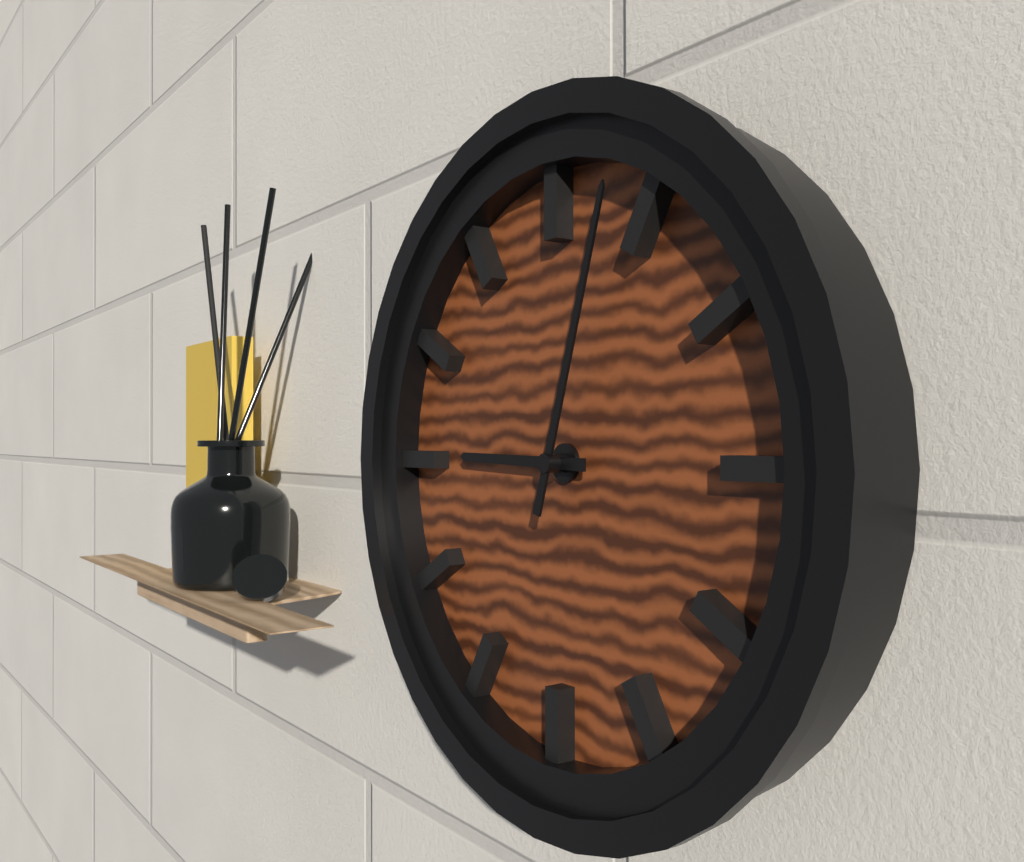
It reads 9:03
